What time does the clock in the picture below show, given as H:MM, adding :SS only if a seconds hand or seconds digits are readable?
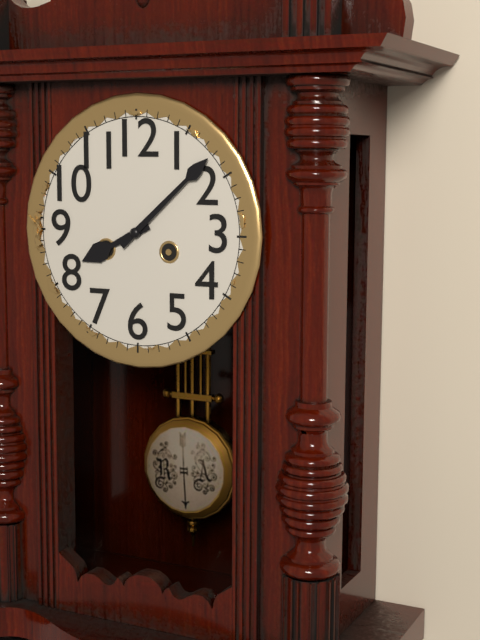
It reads 8:08
